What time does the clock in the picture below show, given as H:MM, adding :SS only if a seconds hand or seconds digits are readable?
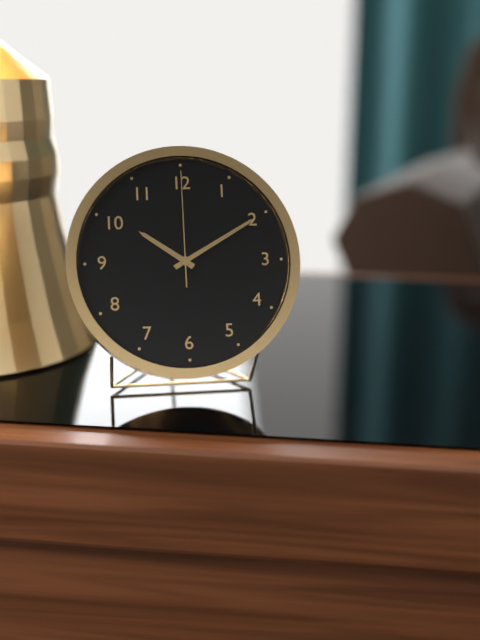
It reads 10:10:00
